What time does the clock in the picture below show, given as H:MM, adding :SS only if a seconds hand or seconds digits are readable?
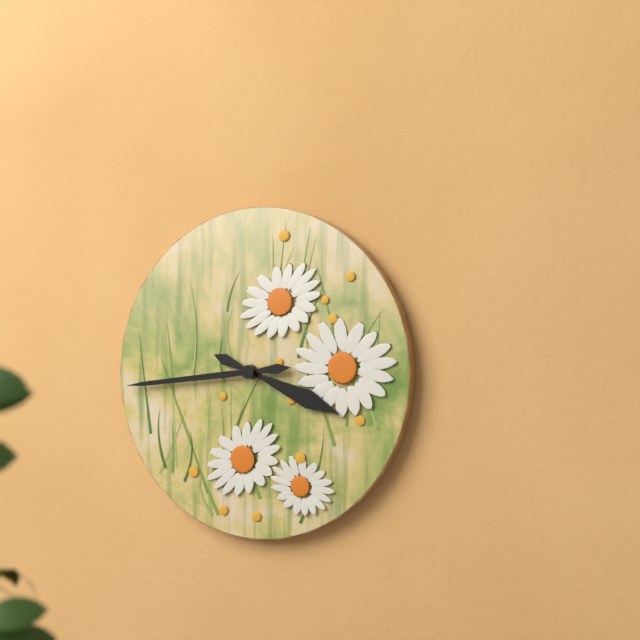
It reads 3:44
